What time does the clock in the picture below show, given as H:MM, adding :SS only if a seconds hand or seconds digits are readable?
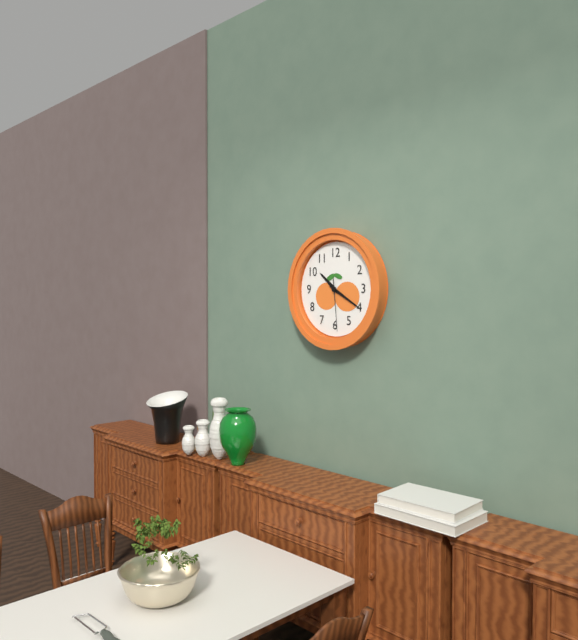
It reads 10:20:29
